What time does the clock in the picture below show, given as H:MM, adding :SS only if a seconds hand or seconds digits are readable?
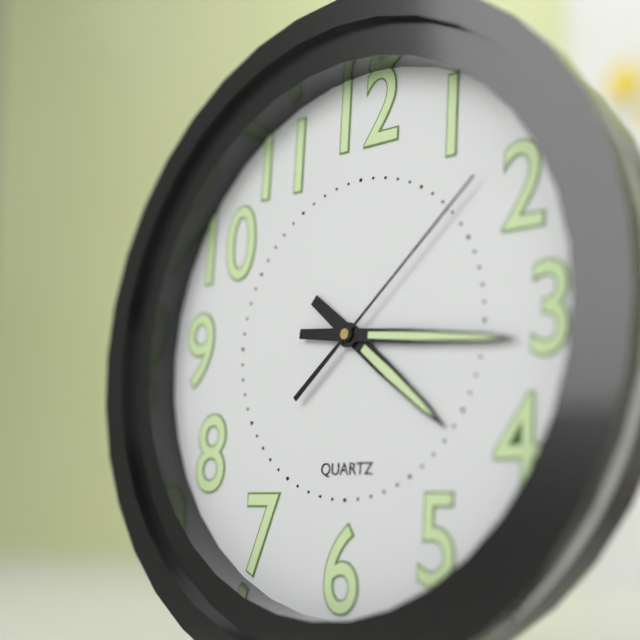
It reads 4:16:08
